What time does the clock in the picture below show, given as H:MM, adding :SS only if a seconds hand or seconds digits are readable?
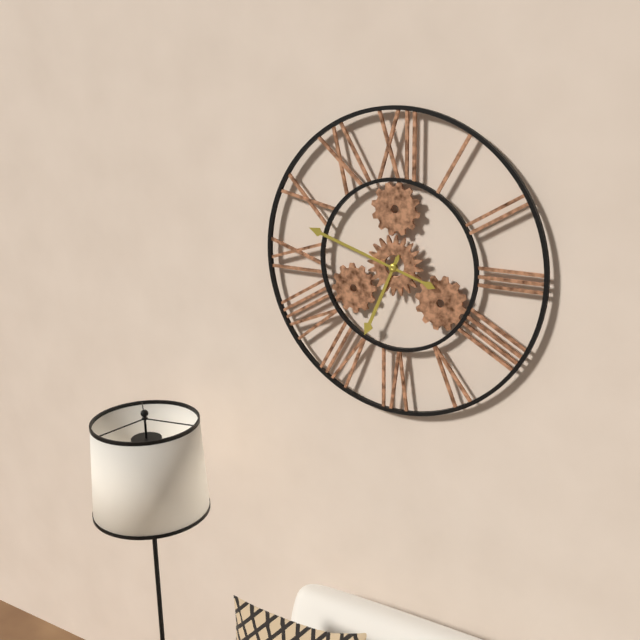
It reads 6:48
